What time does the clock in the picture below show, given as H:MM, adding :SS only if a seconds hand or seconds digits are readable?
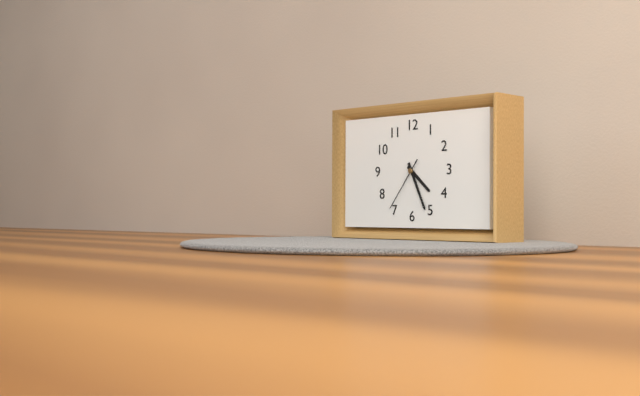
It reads 4:26:36
